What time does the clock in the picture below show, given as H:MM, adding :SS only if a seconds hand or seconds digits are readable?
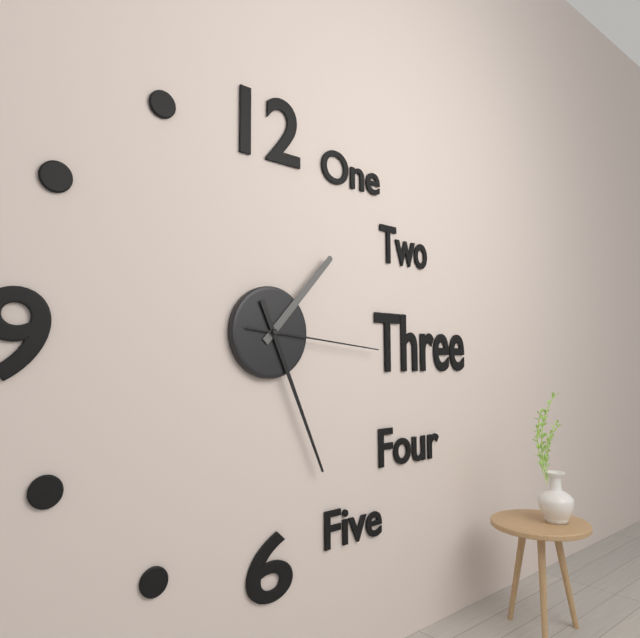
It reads 1:26:16
